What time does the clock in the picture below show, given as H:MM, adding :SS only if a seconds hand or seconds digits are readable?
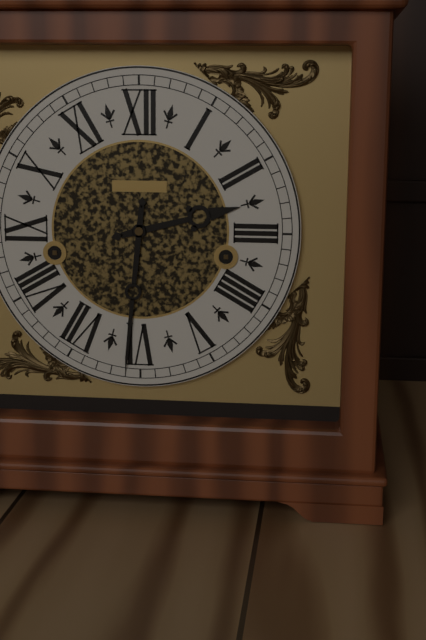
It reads 2:31
